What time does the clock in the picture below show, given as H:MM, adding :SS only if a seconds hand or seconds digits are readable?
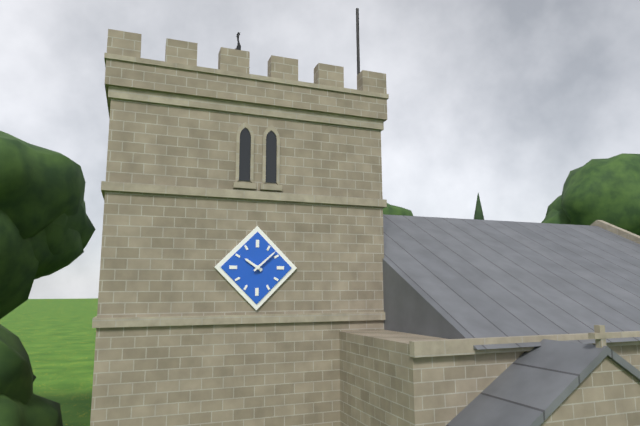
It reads 10:08
